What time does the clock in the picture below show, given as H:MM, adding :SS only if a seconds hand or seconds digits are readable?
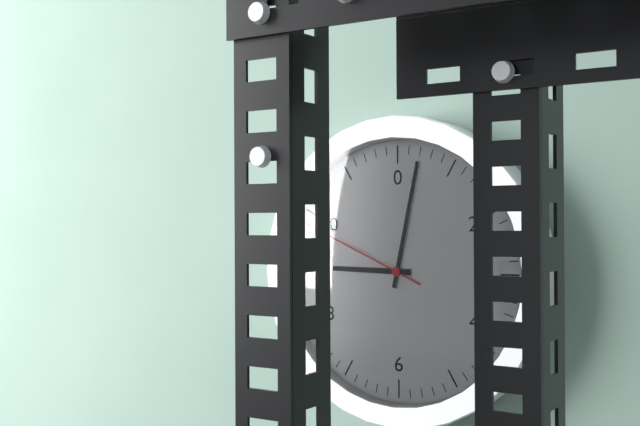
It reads 9:02:49
